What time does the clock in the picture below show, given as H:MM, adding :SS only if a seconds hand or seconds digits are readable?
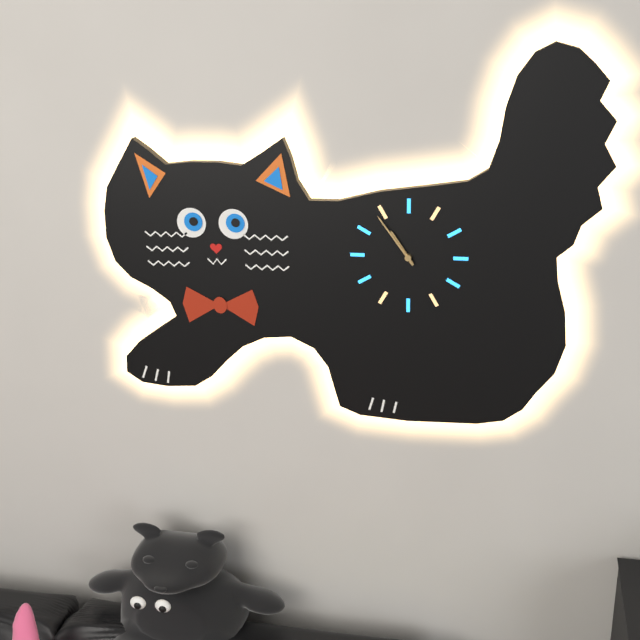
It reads 10:54
